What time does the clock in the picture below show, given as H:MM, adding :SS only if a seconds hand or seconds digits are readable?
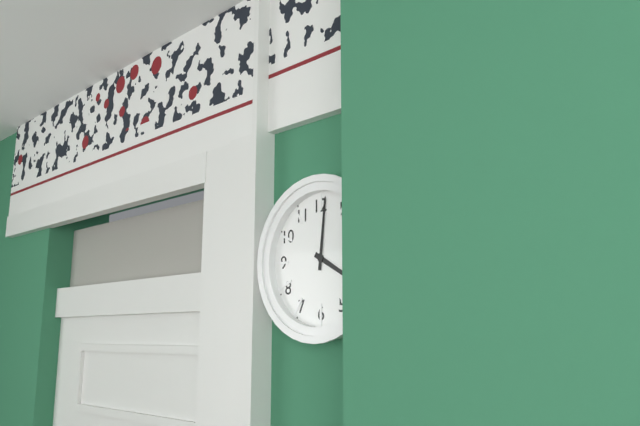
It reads 4:01
